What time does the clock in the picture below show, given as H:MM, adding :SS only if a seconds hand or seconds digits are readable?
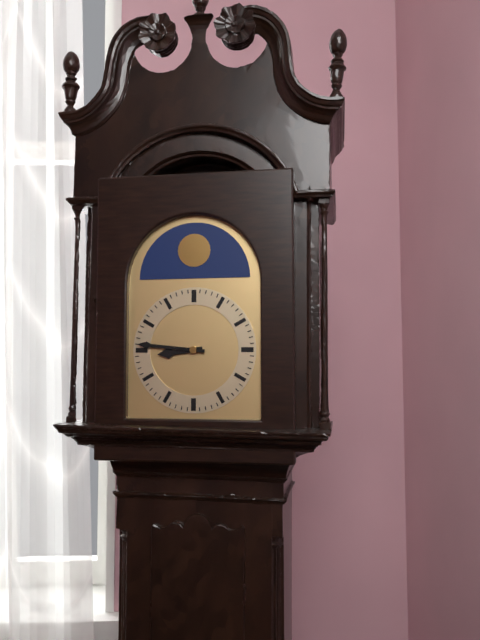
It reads 8:46
